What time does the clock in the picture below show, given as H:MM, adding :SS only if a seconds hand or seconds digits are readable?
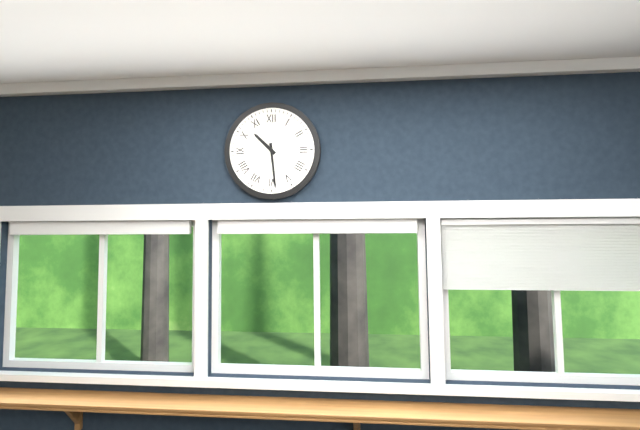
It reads 10:29
